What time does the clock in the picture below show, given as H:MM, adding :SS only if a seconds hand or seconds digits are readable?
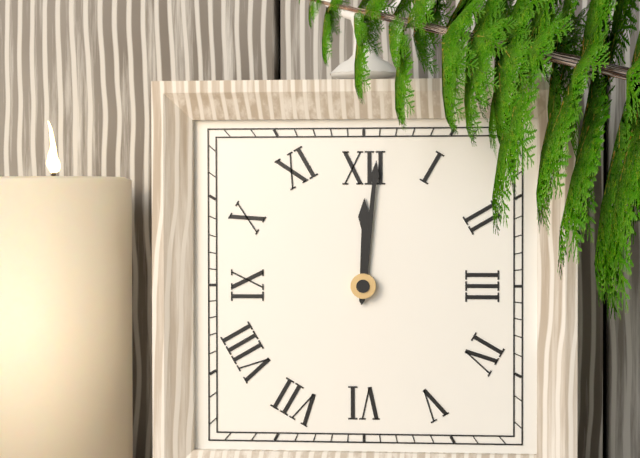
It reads 12:01
